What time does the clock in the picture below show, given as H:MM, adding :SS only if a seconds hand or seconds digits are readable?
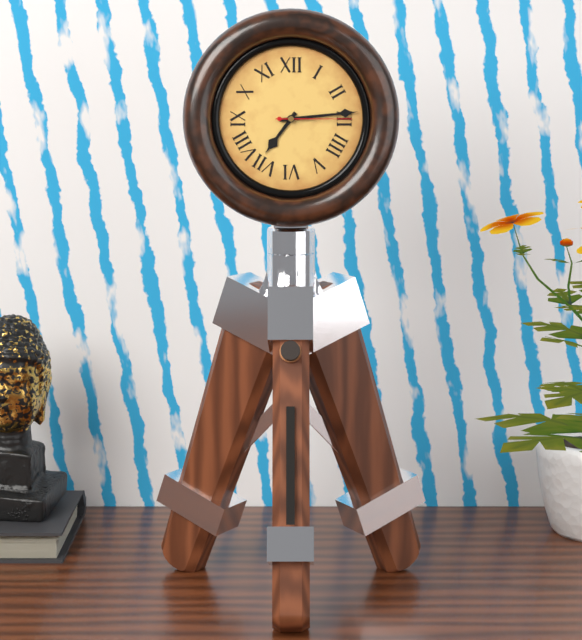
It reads 7:14:15
